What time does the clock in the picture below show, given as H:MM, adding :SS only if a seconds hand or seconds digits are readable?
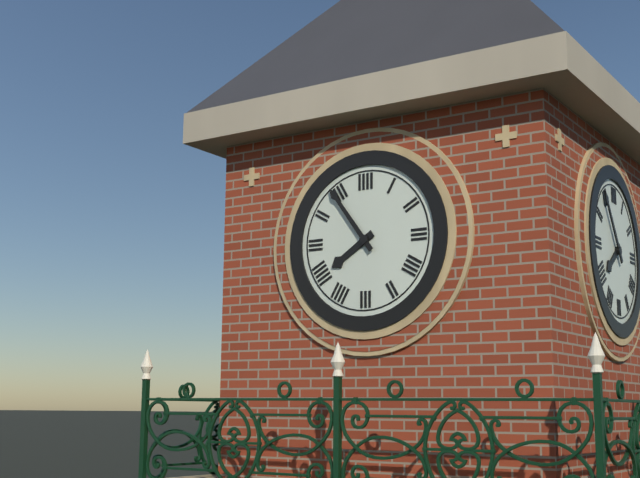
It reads 7:54
